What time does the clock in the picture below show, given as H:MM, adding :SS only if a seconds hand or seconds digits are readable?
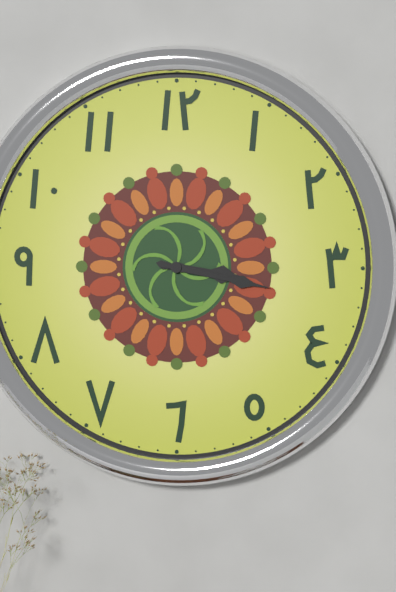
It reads 3:17
